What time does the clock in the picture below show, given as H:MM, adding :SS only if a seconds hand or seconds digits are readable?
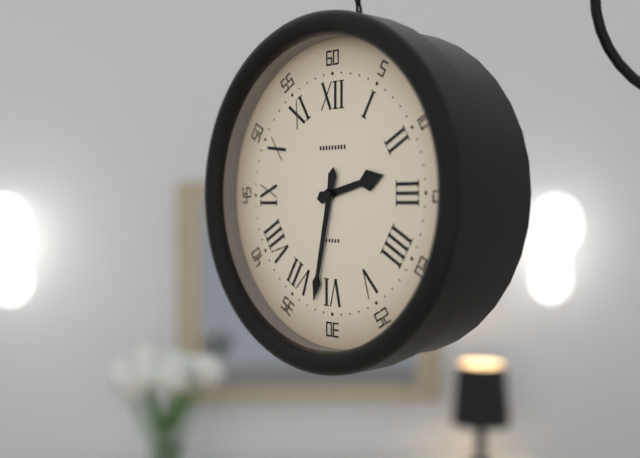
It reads 2:32
